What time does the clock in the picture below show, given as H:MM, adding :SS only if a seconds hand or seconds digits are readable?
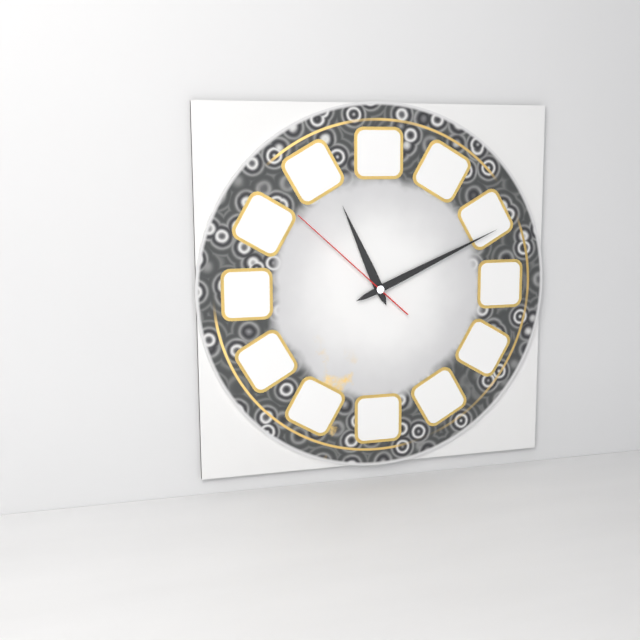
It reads 11:11:52
